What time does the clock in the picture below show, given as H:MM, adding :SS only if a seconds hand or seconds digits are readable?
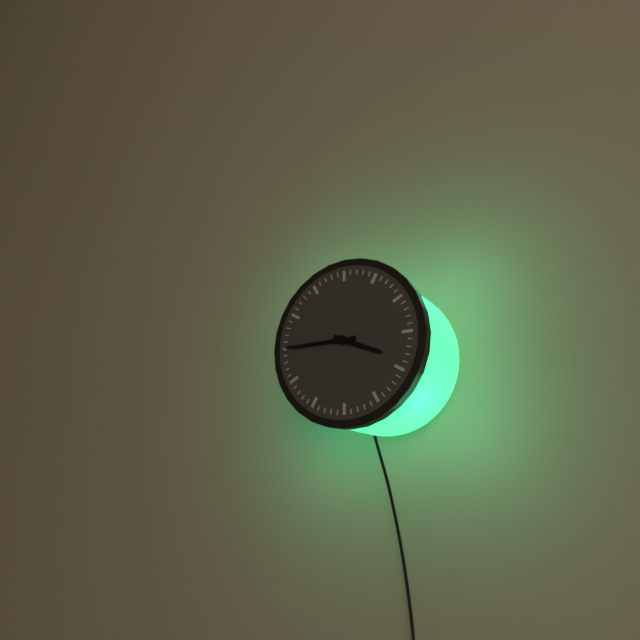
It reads 3:45
